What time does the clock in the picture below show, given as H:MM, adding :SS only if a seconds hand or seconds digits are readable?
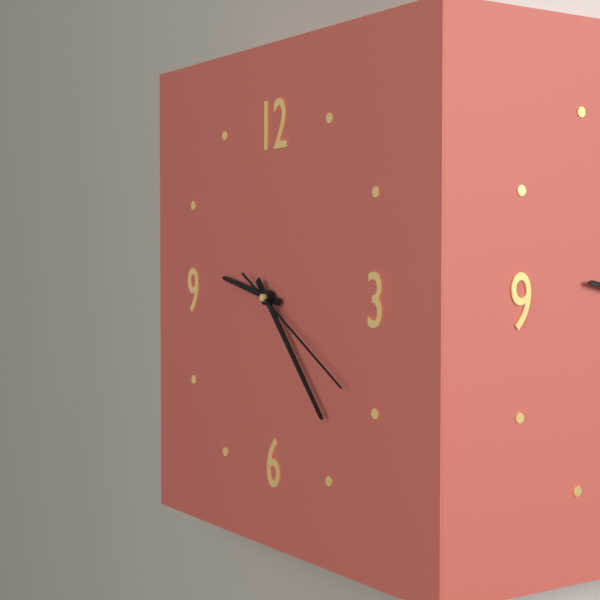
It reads 9:23:20
